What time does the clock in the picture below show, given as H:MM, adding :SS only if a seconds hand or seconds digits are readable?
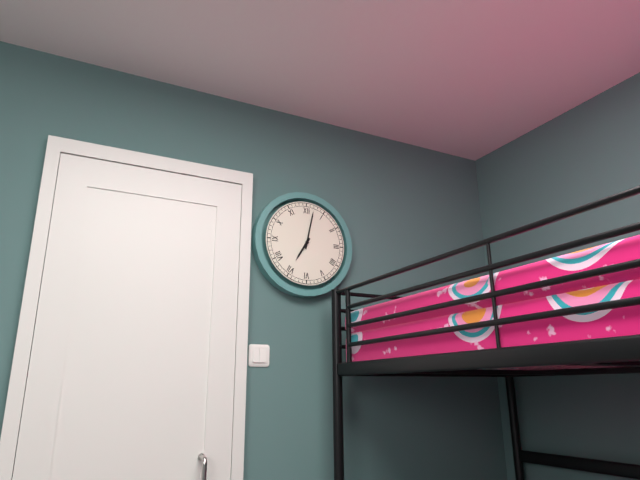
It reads 7:02
